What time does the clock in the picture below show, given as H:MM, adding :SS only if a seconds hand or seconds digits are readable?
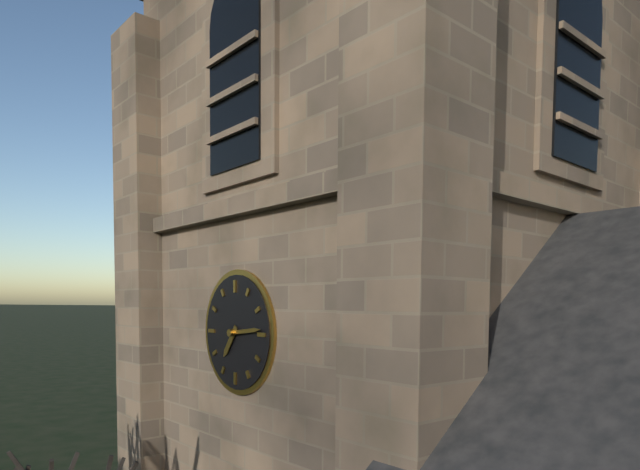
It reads 7:14
